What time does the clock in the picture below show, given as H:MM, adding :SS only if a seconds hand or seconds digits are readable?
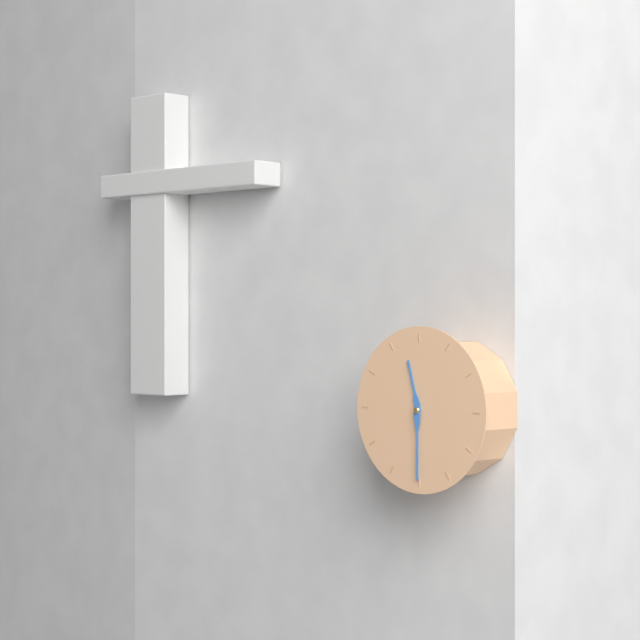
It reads 11:30
